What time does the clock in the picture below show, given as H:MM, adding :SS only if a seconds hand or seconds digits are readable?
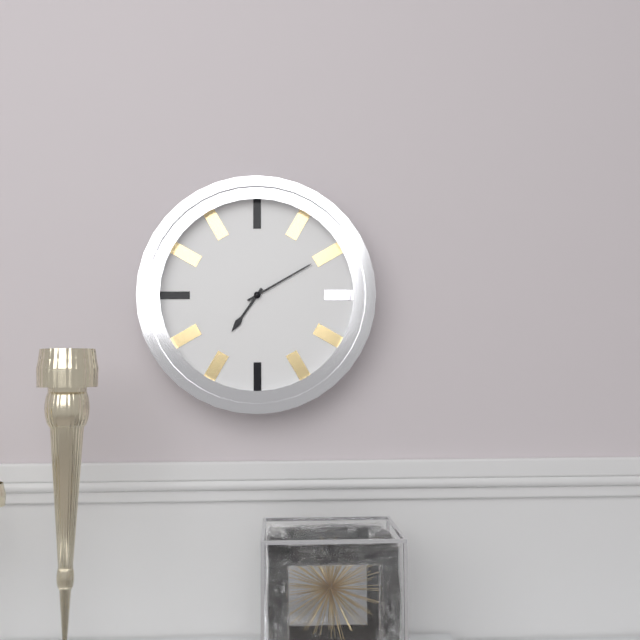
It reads 7:10
